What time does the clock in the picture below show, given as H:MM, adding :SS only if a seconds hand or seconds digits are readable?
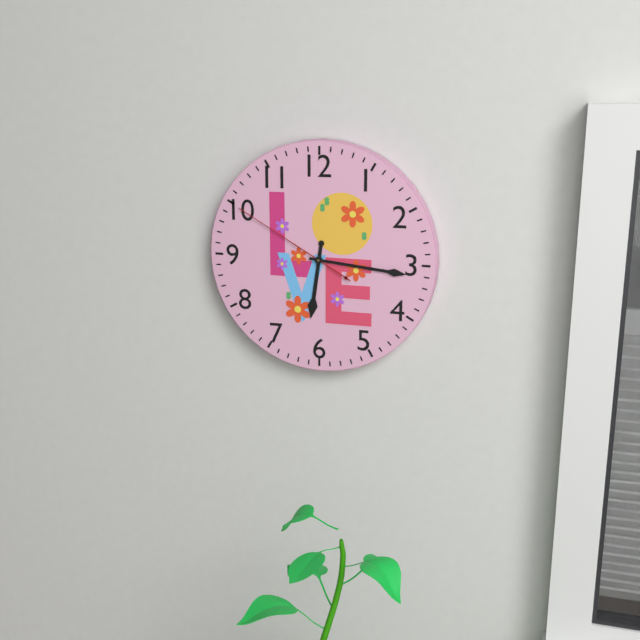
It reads 6:16:50
